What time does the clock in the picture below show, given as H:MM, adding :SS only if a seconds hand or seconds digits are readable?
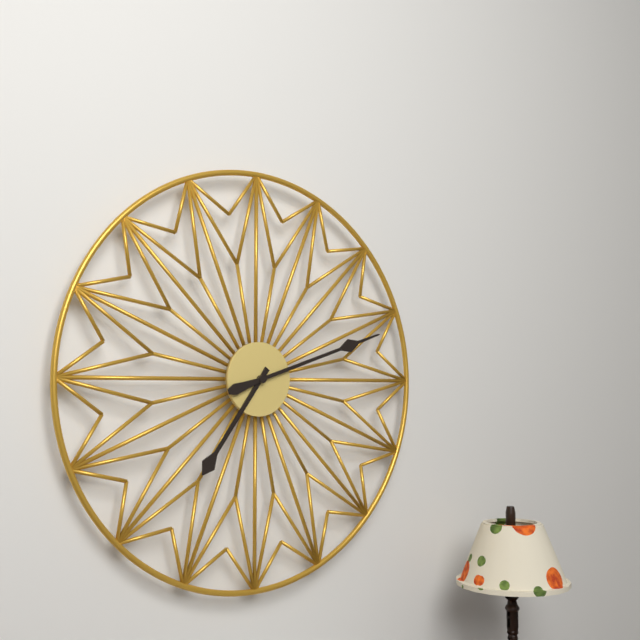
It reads 7:12
